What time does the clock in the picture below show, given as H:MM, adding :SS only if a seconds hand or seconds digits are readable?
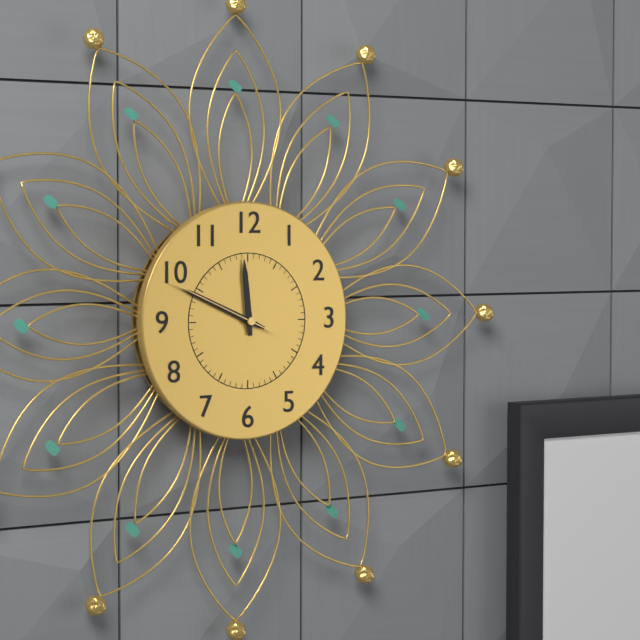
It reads 11:49:49
